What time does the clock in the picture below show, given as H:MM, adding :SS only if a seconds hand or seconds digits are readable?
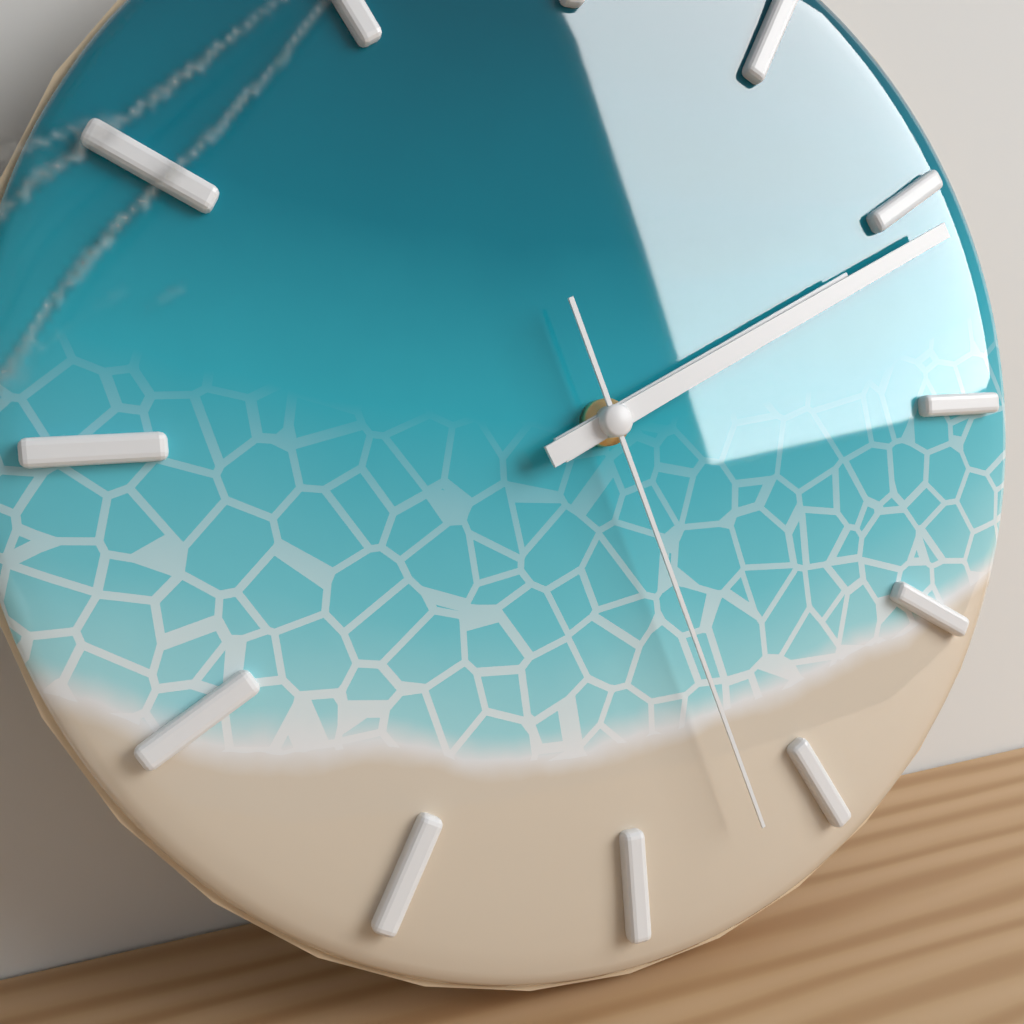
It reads 2:11:27
